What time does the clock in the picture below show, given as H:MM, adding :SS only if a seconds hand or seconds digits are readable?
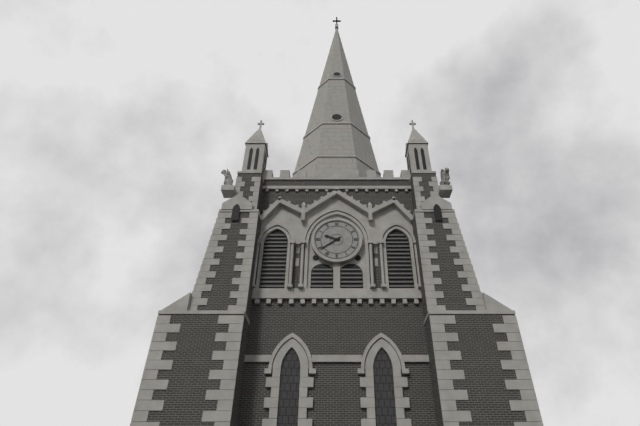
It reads 9:39
